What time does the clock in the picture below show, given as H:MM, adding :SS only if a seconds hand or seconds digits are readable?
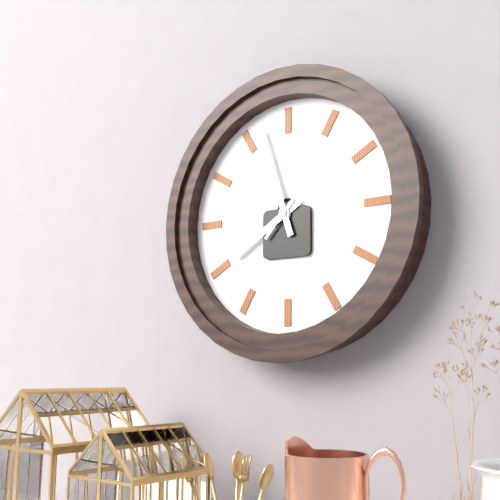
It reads 7:57:07
